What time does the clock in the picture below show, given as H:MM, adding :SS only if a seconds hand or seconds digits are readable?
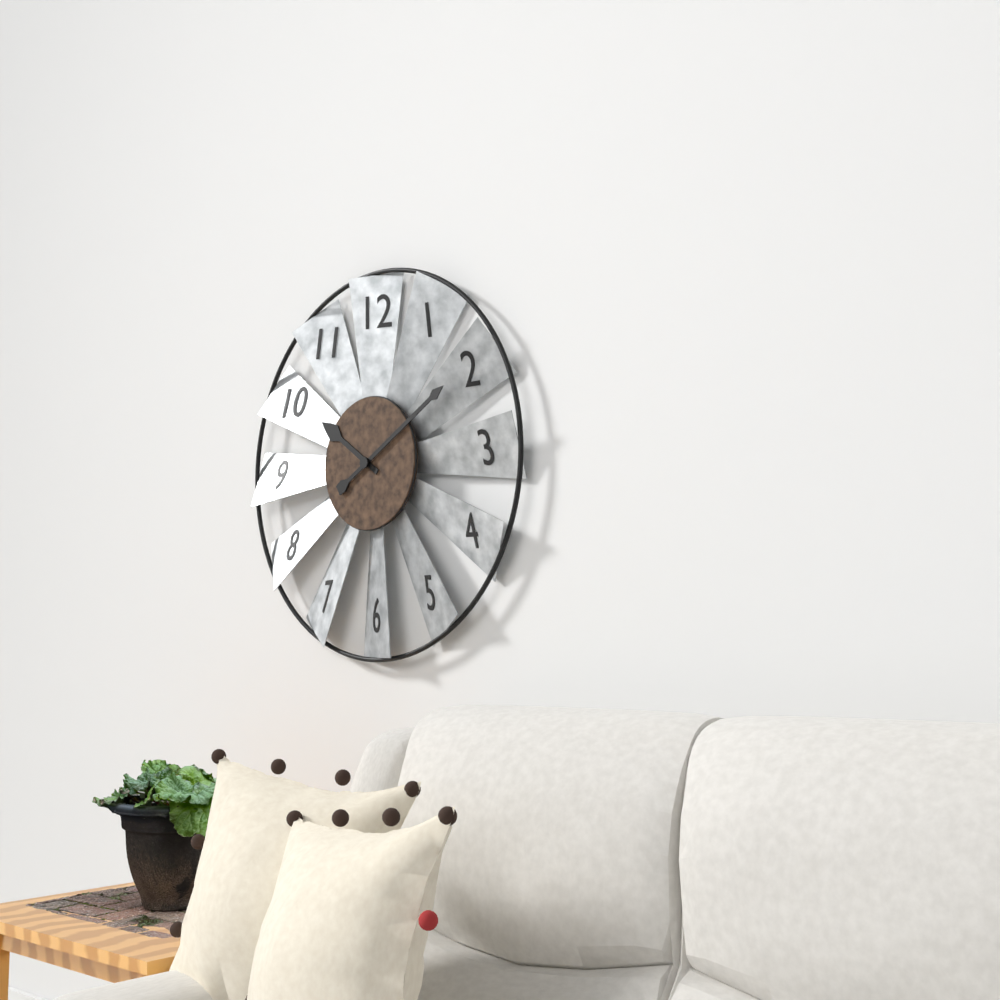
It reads 10:10
